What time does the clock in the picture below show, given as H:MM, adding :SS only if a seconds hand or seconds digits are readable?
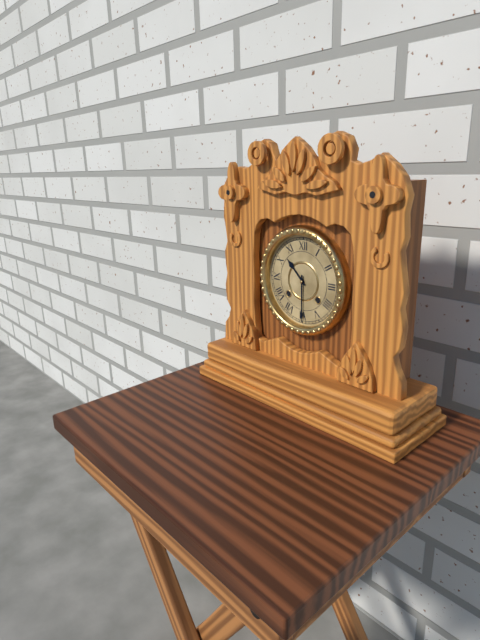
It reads 10:30
